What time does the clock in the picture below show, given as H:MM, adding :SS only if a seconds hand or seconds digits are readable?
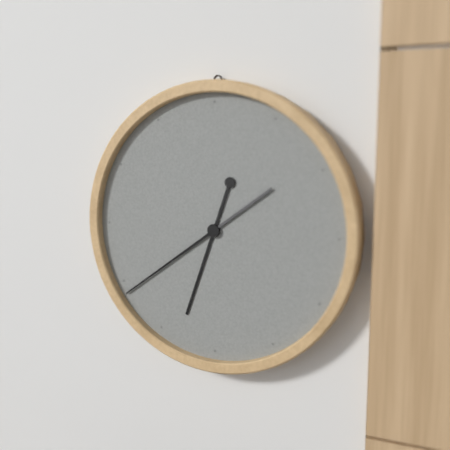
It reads 6:39
